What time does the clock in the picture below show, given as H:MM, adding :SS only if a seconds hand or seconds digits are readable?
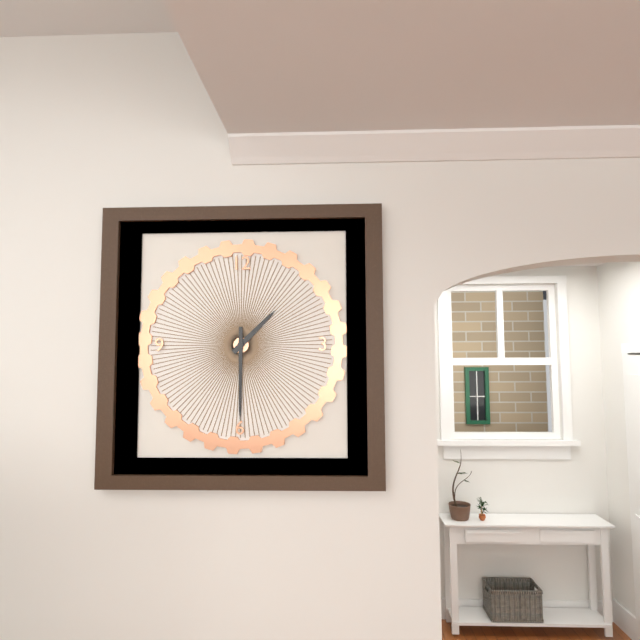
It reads 1:30
